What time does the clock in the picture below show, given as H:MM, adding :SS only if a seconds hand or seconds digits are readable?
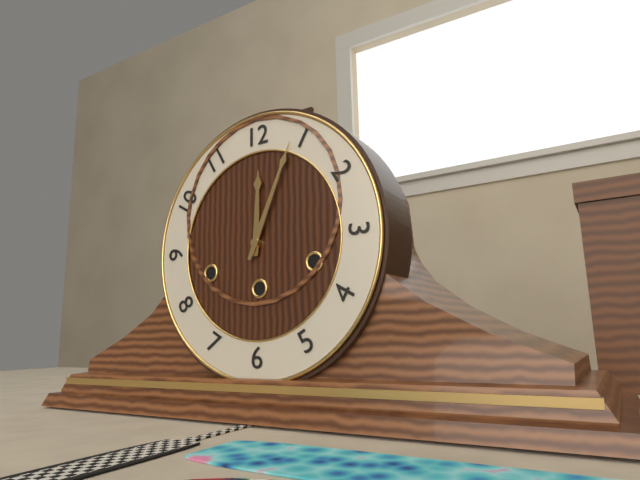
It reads 12:04
